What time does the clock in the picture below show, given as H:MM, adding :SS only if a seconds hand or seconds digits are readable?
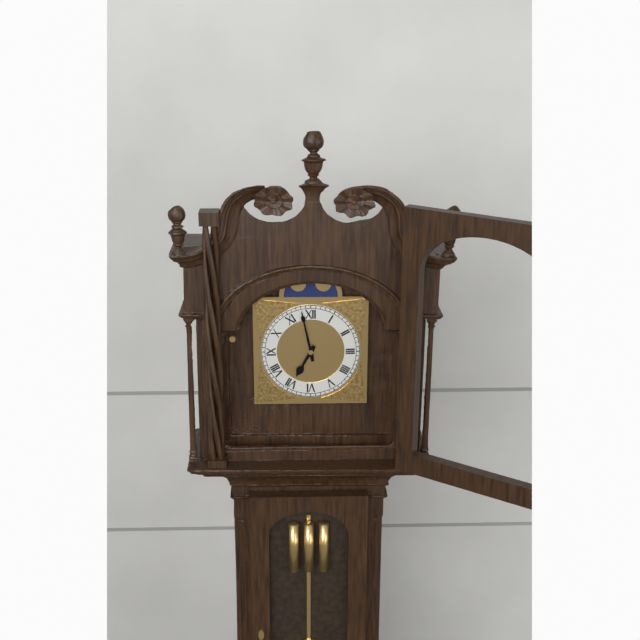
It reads 6:58
